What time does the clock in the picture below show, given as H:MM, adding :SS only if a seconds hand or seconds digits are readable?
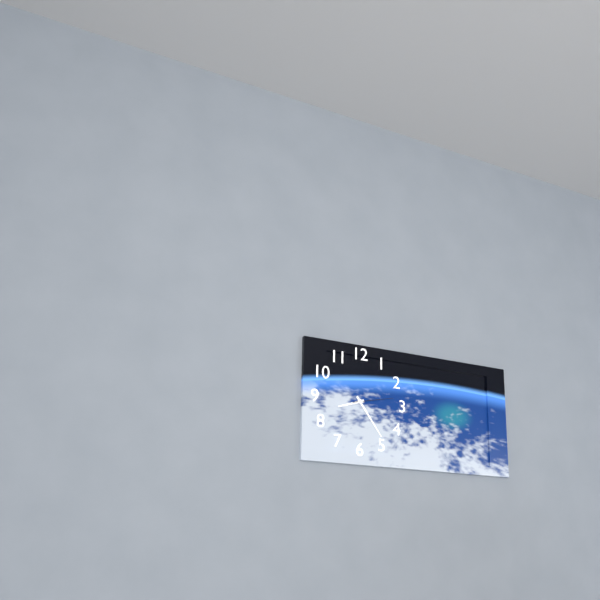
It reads 8:24
